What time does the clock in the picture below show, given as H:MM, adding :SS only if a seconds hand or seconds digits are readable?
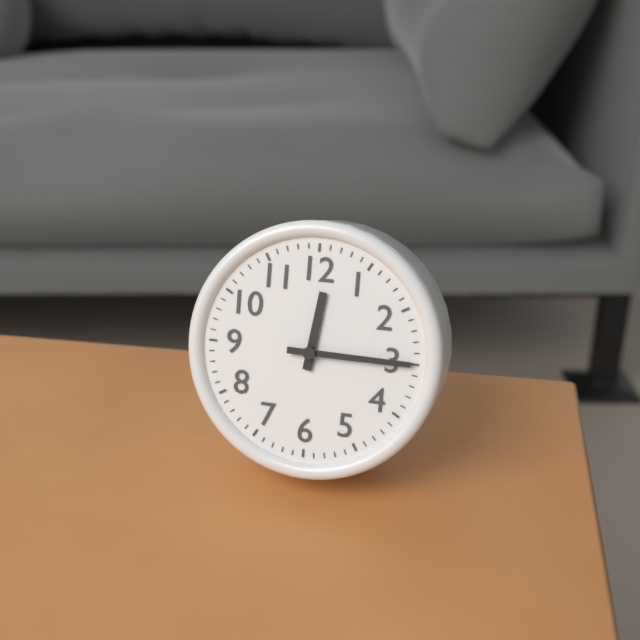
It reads 12:15
